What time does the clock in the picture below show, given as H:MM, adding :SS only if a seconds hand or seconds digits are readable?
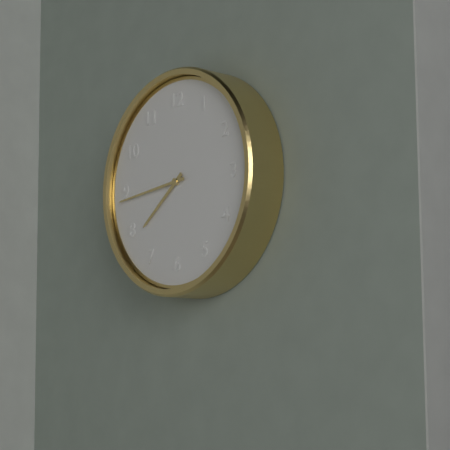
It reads 7:44
